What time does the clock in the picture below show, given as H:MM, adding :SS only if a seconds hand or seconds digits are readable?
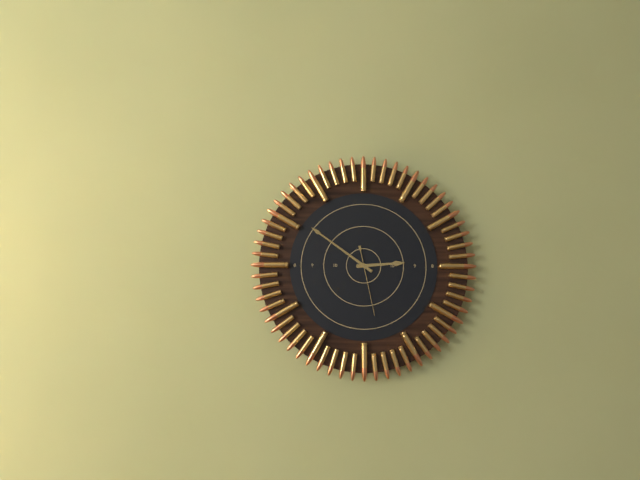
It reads 2:51:28
